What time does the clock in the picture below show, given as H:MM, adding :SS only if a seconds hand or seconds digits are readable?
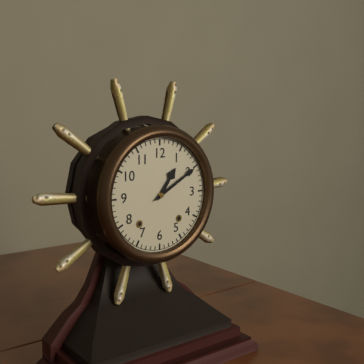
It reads 1:10
